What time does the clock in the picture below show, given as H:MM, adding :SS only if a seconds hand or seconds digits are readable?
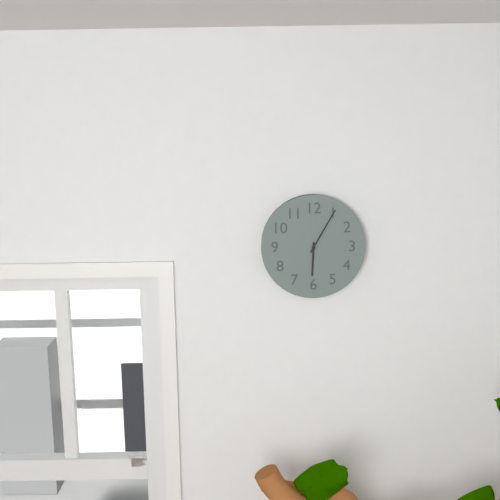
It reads 6:05
